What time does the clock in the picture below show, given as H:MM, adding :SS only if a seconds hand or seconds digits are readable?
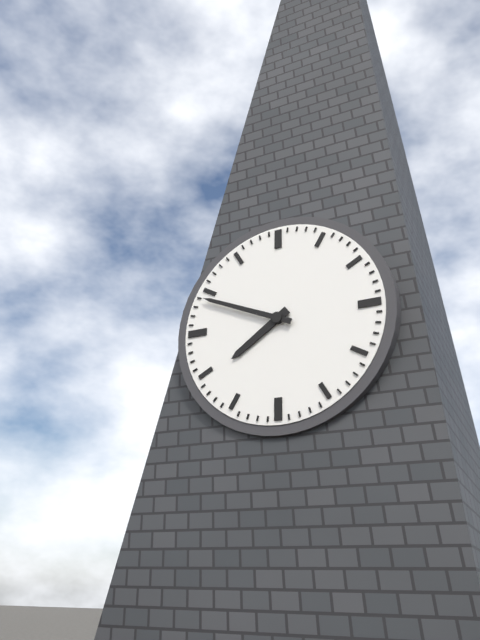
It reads 7:49
